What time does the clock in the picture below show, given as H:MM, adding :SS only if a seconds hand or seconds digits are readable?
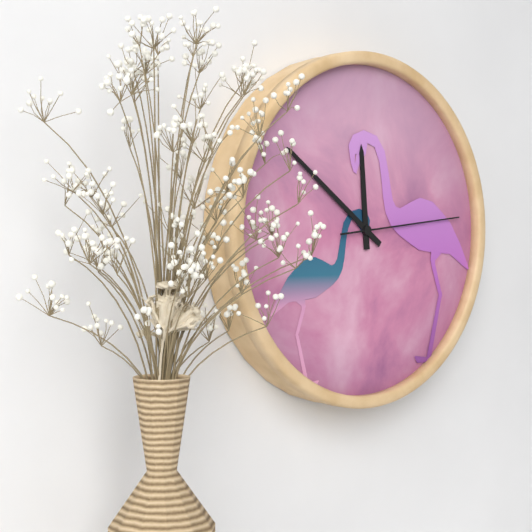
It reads 11:51:14
